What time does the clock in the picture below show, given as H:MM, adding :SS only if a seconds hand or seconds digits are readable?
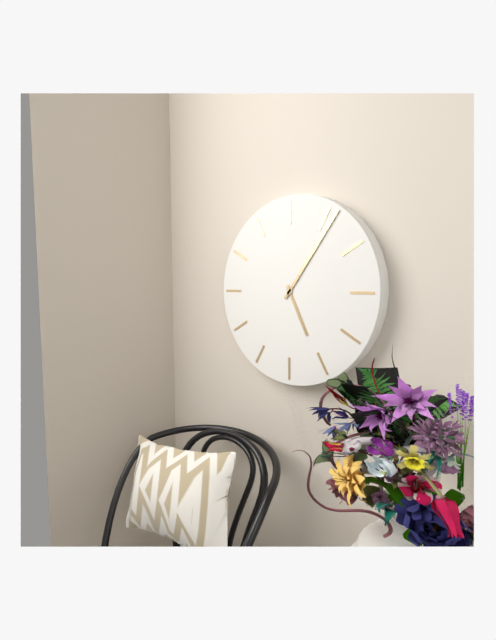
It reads 5:06
